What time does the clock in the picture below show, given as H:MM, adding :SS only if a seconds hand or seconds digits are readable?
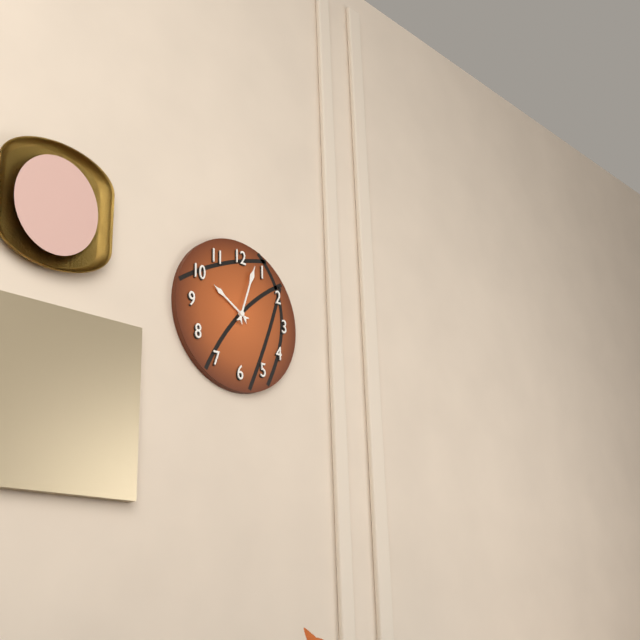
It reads 10:03
